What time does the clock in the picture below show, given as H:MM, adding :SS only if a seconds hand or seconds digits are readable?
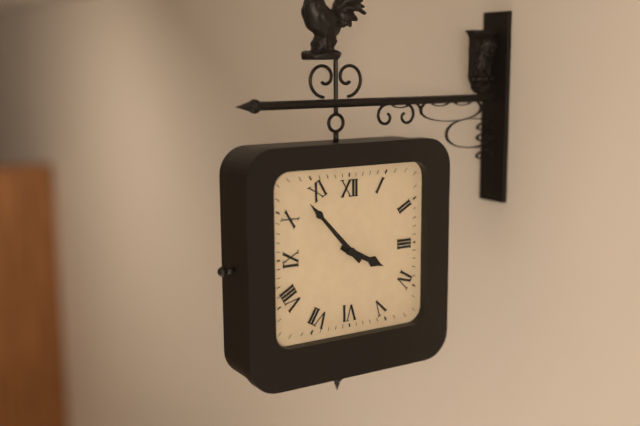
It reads 3:53
